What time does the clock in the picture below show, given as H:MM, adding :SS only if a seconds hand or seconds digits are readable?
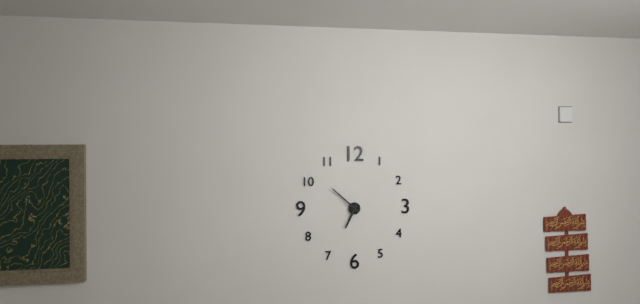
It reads 6:52
